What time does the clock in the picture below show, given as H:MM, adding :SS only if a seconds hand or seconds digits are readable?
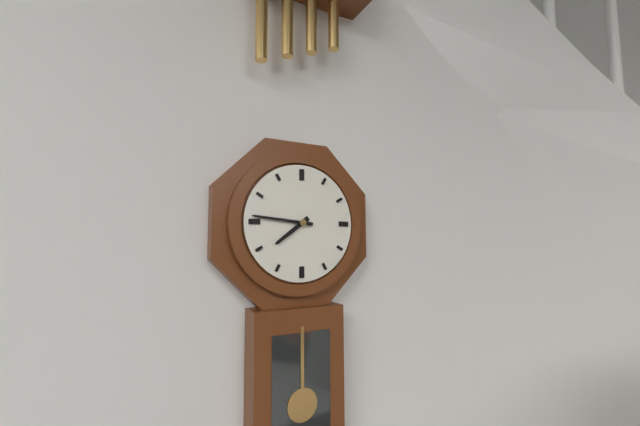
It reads 7:46
